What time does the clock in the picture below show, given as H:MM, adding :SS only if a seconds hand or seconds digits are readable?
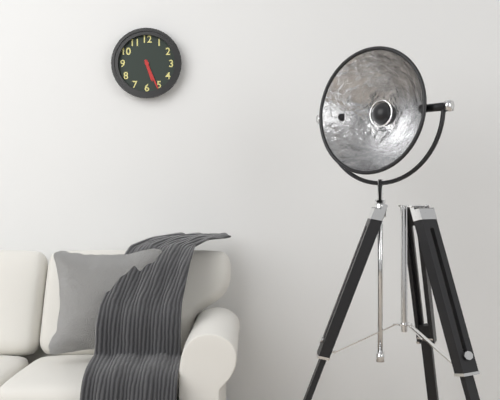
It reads 5:26
